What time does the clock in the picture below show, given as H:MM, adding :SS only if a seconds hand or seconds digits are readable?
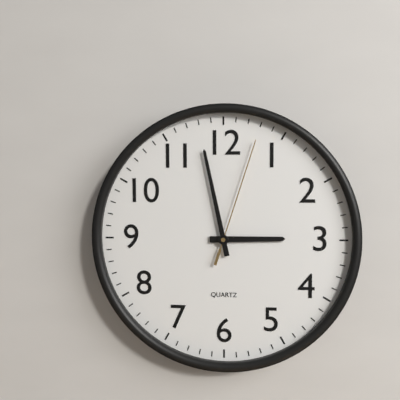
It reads 2:58:03
